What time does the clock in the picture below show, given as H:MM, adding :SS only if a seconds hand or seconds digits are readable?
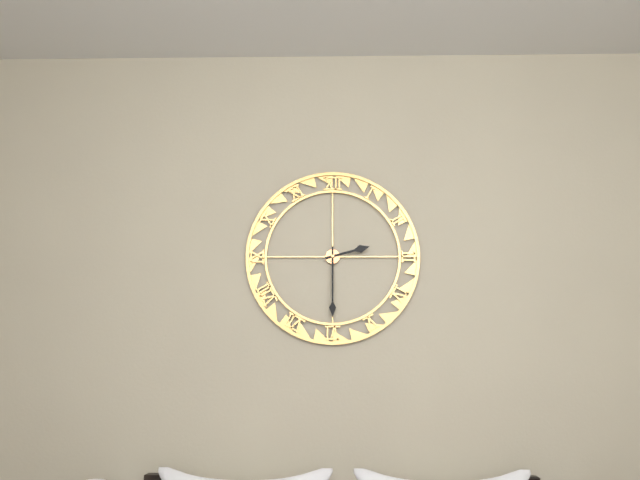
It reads 2:30
